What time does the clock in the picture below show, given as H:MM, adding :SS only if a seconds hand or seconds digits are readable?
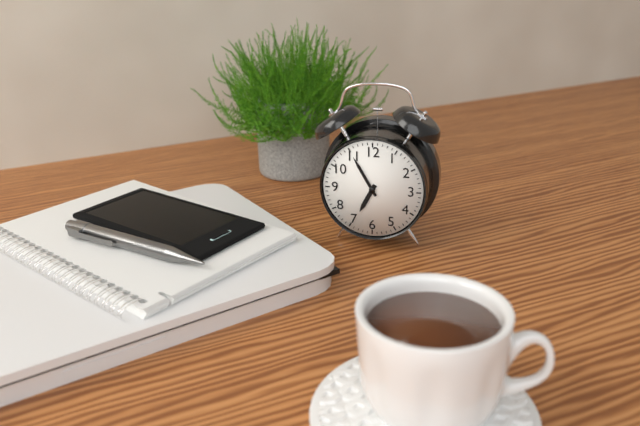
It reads 6:55
